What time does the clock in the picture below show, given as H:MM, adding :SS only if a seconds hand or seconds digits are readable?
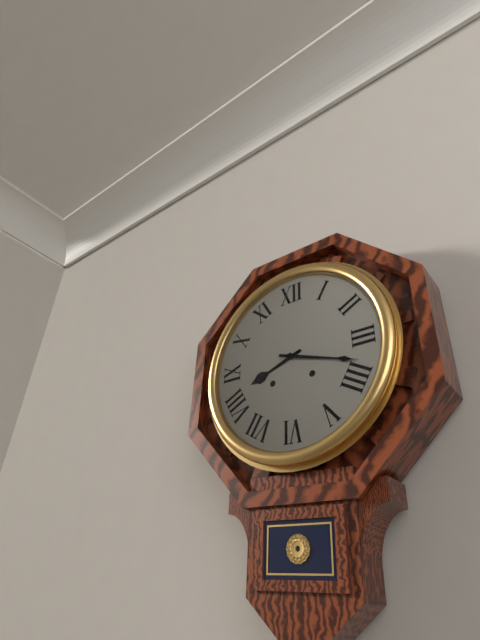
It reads 8:18
